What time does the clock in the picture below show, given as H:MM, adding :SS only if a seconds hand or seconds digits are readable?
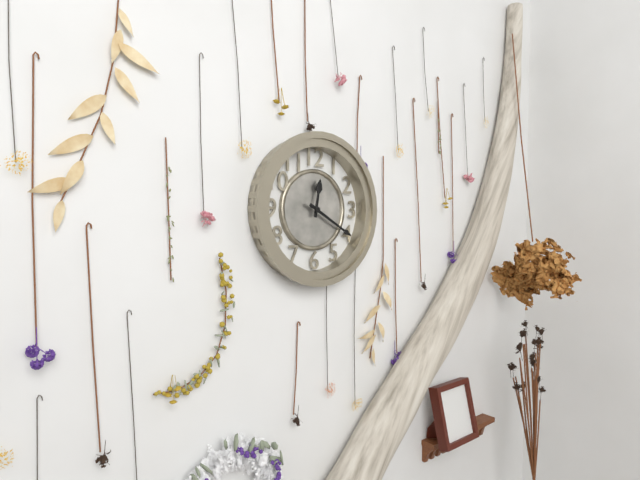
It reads 12:20
